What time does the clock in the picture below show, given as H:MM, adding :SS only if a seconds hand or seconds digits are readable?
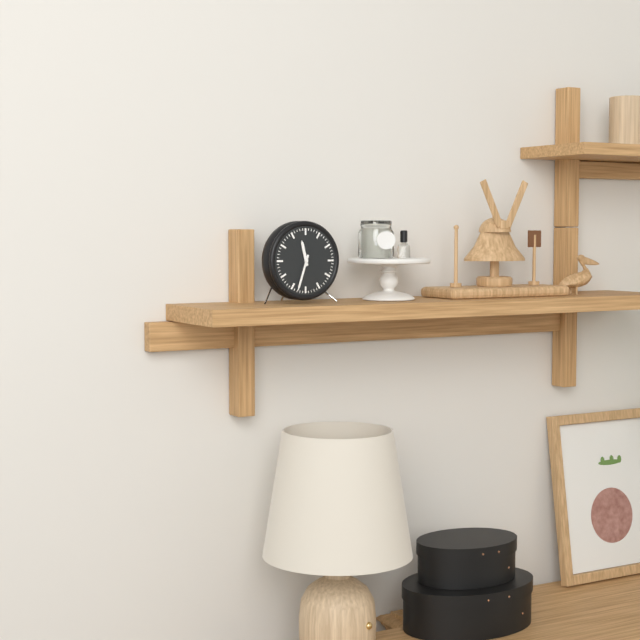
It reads 11:33
